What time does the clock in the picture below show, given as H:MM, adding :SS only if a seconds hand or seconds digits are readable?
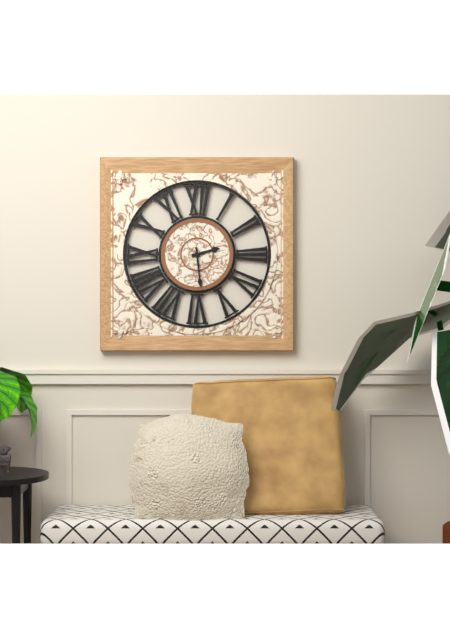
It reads 2:29
